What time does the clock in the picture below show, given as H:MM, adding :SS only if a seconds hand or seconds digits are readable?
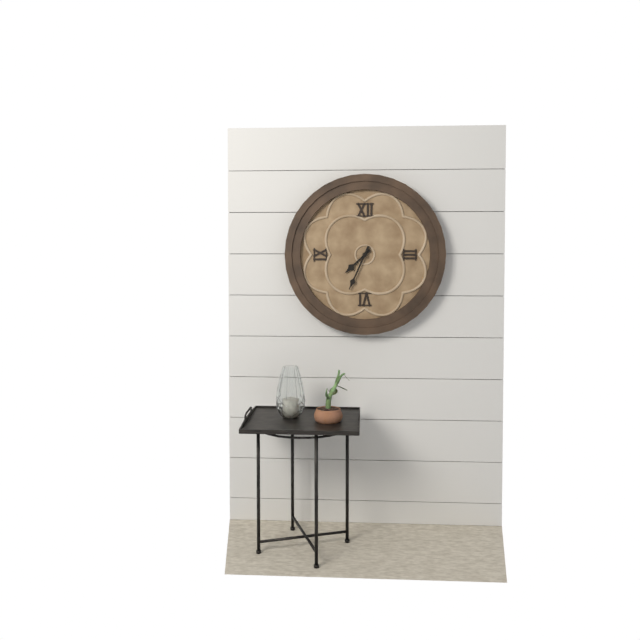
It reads 7:34
